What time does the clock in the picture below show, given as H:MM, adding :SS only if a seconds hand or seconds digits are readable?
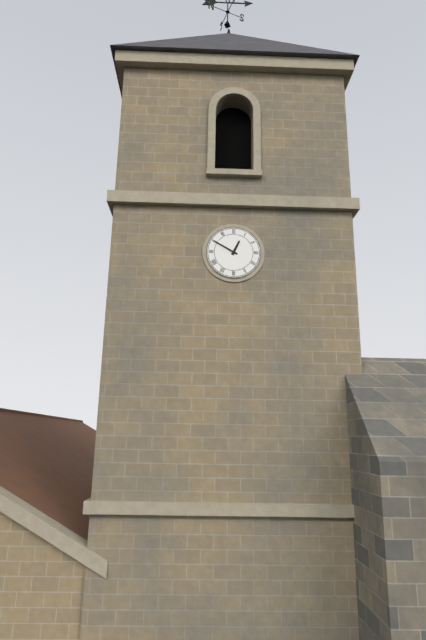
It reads 12:50
